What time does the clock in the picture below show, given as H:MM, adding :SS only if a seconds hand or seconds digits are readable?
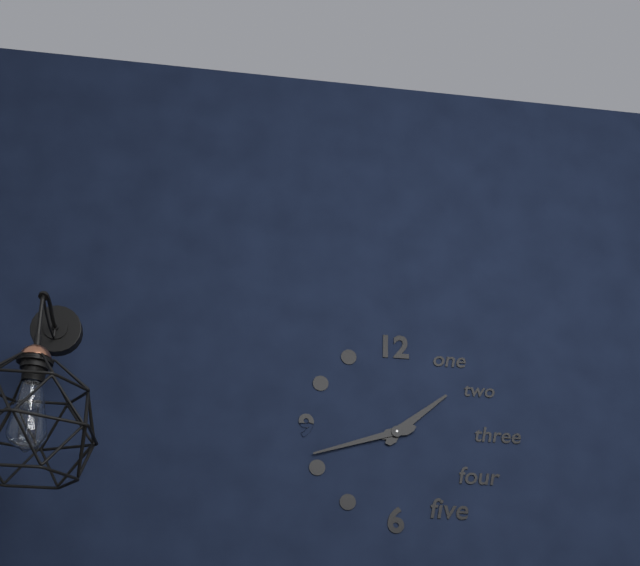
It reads 1:42
